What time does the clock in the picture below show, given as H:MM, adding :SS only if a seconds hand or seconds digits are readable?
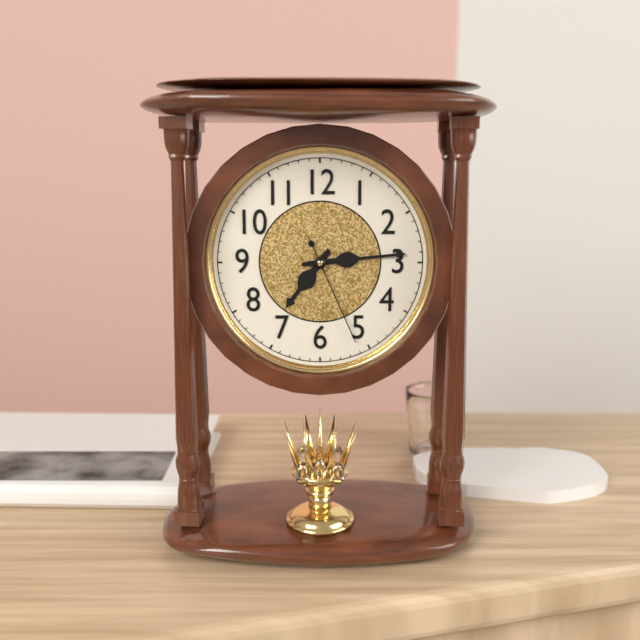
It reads 7:14:26
